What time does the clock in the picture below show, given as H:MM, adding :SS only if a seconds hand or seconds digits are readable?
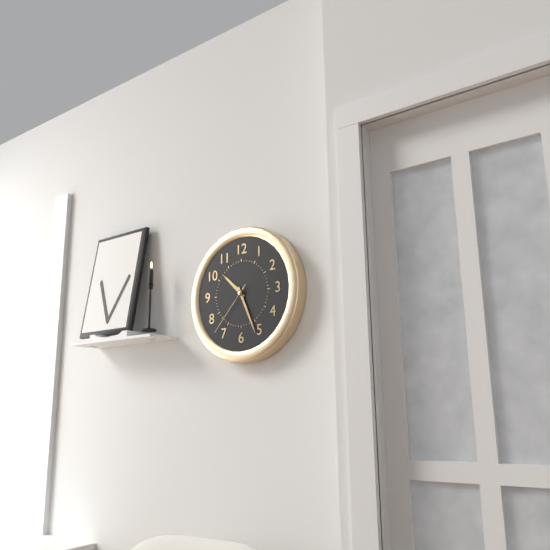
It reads 10:26:37
